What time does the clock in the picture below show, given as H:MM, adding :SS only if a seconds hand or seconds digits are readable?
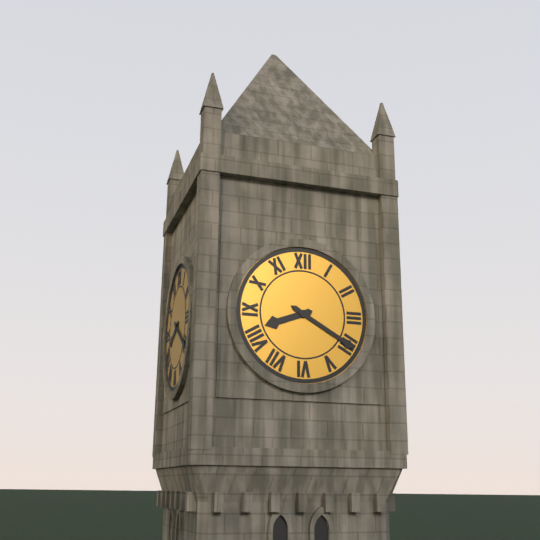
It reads 8:20
